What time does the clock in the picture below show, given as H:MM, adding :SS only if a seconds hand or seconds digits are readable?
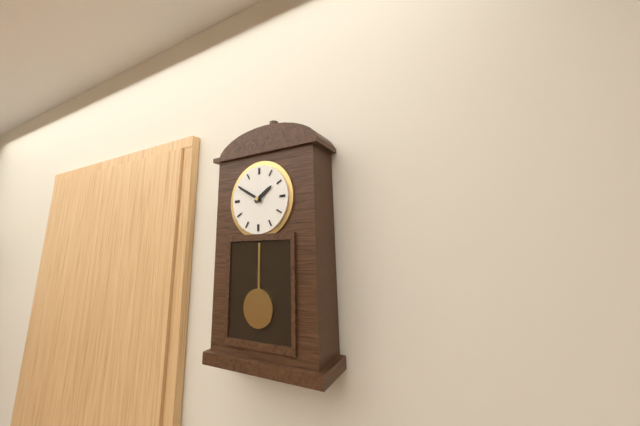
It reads 1:50
